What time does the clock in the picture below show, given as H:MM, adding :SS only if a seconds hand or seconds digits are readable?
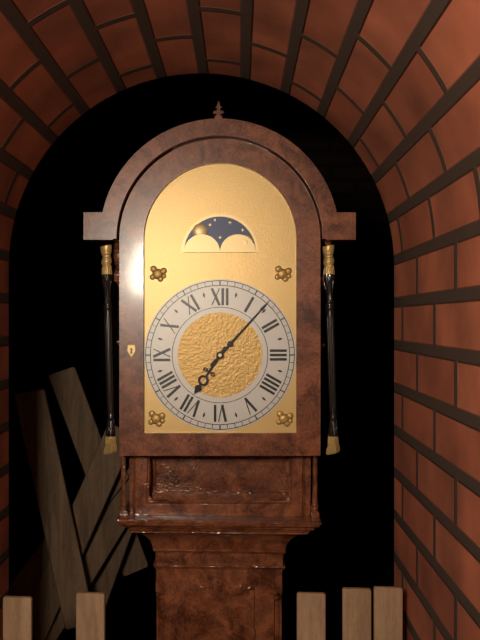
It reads 7:07
